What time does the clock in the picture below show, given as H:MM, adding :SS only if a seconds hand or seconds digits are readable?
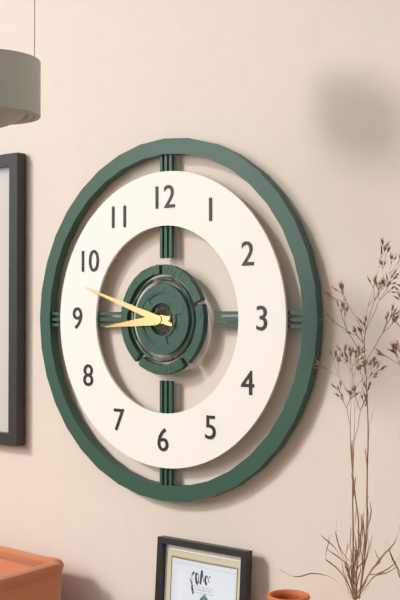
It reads 8:48
